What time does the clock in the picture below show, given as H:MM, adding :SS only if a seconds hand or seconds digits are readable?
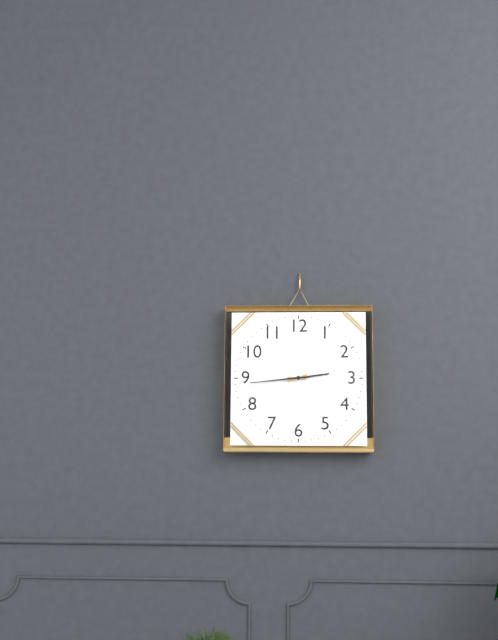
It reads 2:44
